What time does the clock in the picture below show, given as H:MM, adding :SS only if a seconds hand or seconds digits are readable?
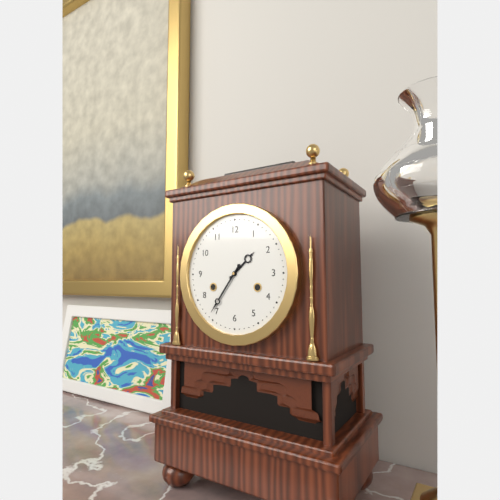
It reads 1:36
